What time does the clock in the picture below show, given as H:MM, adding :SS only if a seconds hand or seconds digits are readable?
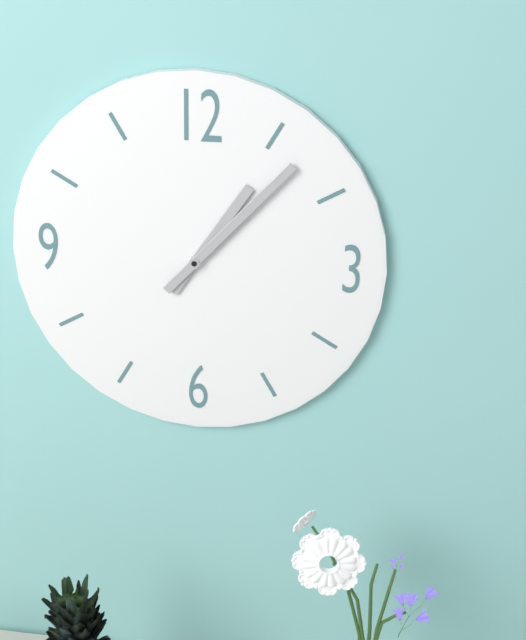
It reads 1:07
